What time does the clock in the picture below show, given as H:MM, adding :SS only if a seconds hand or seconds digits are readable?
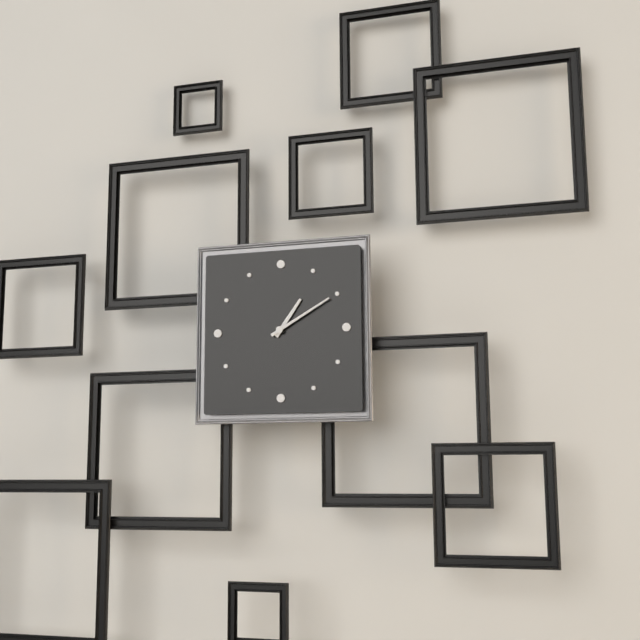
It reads 1:10
